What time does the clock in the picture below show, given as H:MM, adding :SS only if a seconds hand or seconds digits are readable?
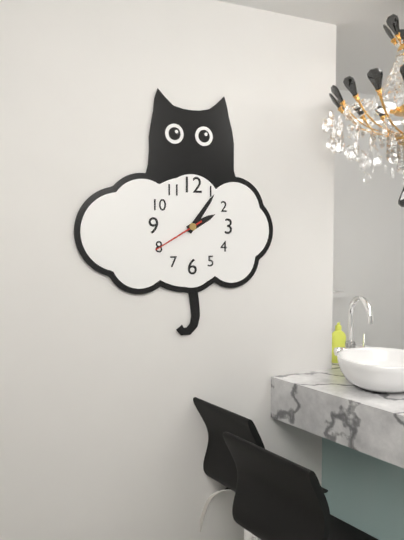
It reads 2:06:40
